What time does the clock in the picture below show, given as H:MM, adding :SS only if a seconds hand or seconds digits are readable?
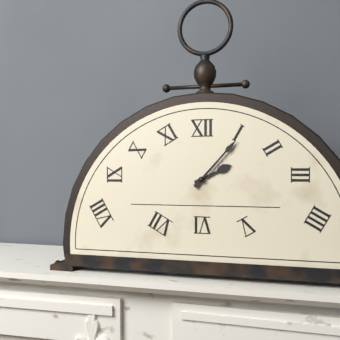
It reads 2:07
